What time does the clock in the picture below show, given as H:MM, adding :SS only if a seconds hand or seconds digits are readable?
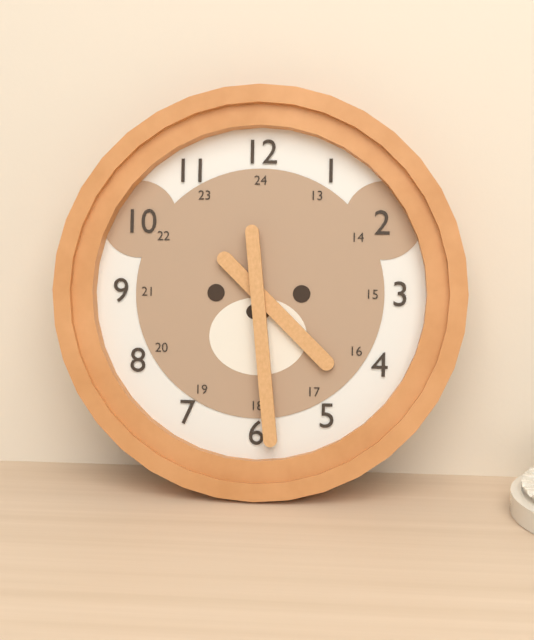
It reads 4:29
